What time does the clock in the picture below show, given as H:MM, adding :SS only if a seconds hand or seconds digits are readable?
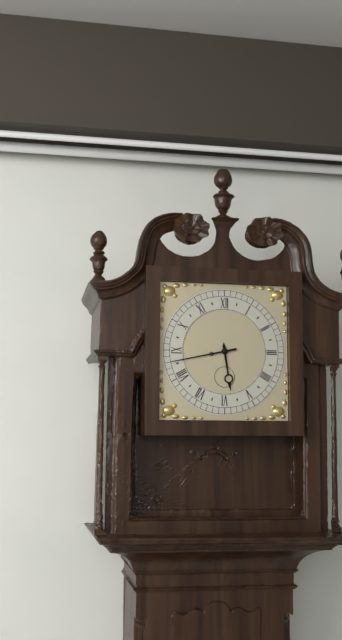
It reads 5:43
